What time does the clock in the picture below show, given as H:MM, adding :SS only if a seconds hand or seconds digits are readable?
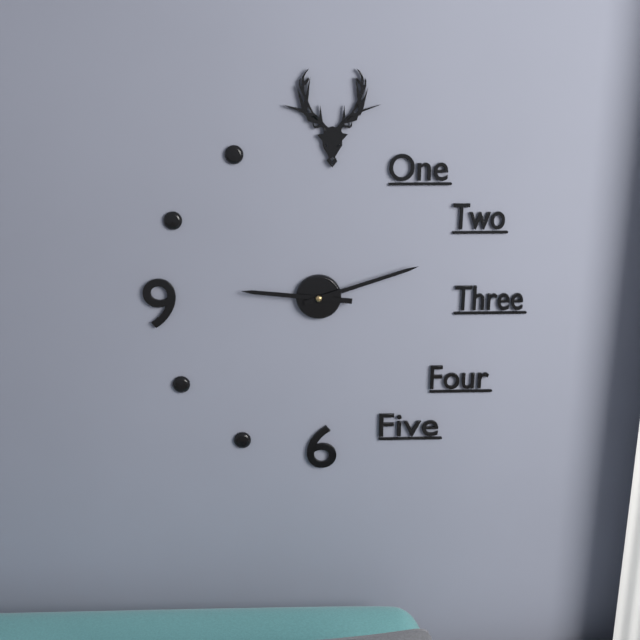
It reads 9:12
